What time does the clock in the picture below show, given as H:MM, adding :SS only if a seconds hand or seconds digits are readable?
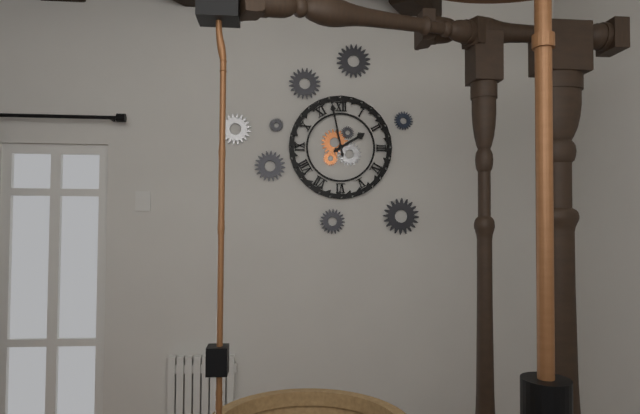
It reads 1:58
